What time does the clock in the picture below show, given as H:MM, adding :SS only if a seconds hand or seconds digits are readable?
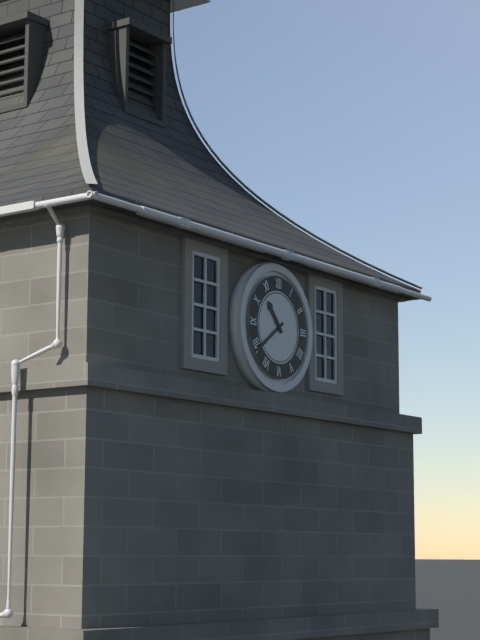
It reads 10:39
